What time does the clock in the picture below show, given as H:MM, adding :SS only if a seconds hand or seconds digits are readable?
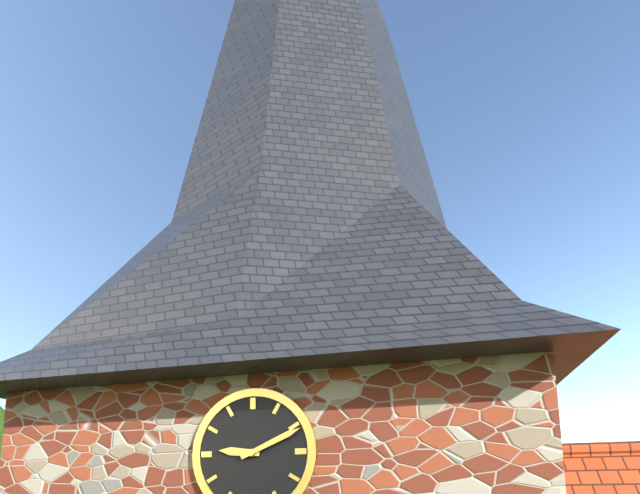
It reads 9:11
